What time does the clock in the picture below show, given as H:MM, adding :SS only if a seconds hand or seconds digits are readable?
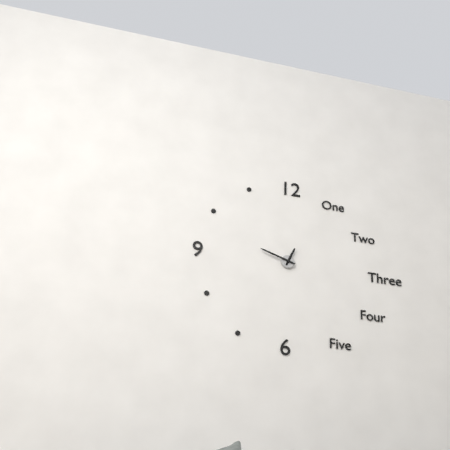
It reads 12:48
